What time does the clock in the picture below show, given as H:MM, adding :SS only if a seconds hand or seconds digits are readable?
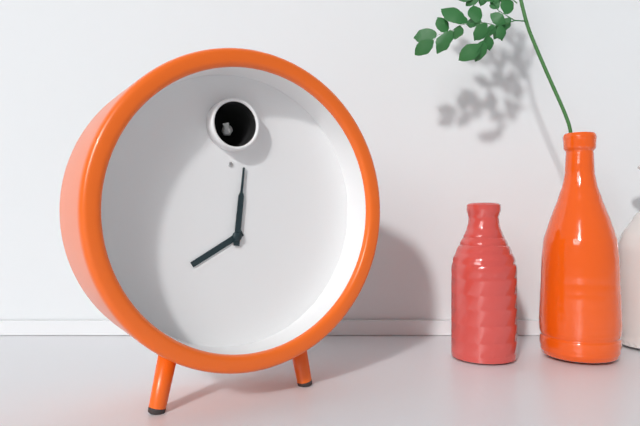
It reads 8:01
